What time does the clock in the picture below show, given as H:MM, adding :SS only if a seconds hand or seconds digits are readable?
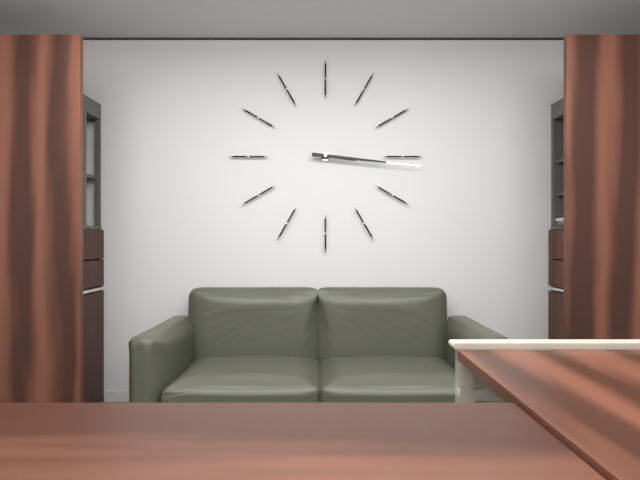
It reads 3:16
